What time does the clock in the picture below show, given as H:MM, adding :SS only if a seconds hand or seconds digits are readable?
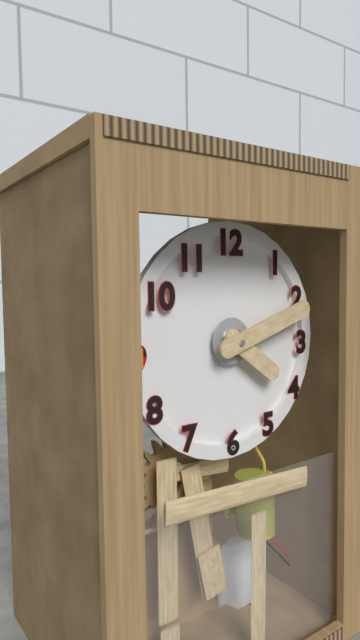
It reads 4:12
